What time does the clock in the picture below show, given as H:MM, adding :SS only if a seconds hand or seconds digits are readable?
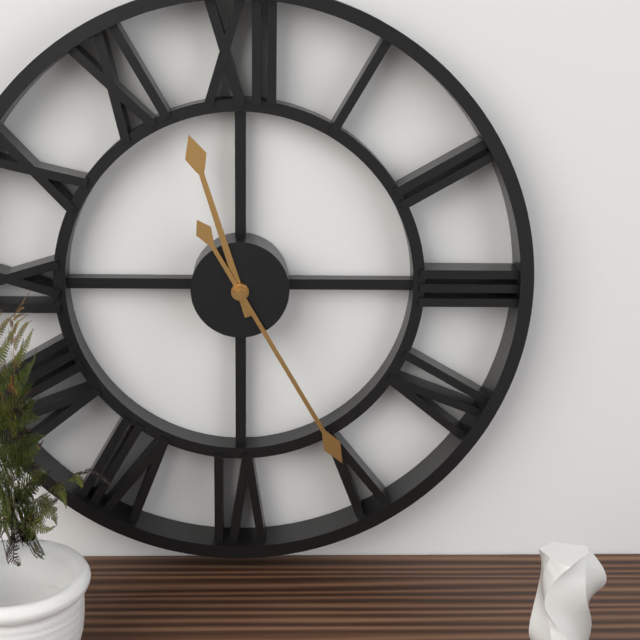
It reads 11:25
